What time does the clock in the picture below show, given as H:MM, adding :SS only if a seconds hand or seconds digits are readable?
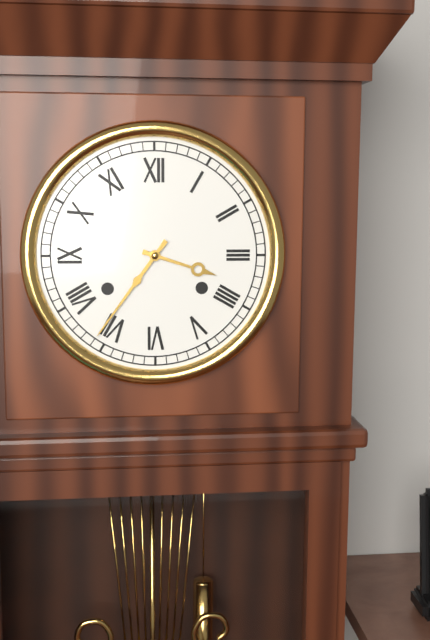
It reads 3:36
